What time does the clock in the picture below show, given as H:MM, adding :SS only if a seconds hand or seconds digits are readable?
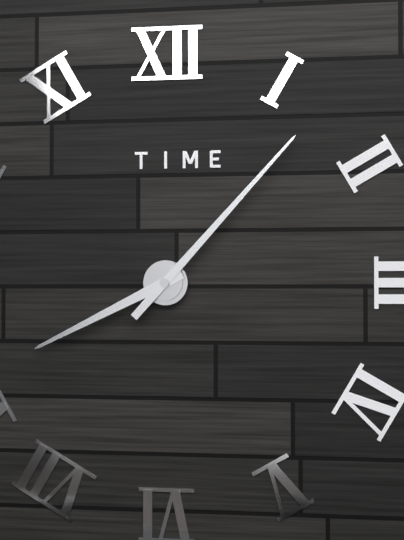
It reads 8:07
